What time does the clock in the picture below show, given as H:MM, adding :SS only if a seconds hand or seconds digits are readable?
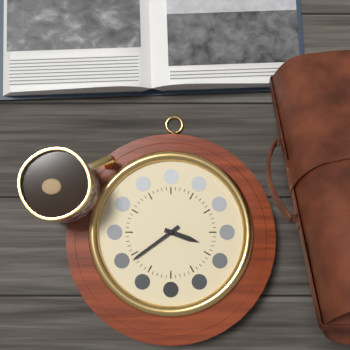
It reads 3:39
